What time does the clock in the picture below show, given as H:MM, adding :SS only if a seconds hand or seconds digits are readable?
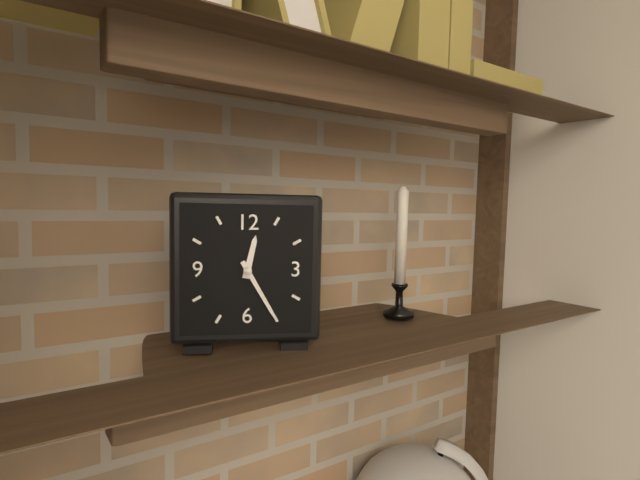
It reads 12:25
